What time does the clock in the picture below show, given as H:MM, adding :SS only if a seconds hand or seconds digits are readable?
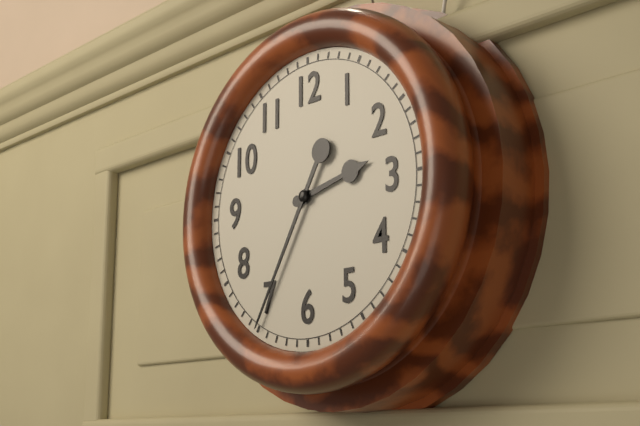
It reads 2:35
